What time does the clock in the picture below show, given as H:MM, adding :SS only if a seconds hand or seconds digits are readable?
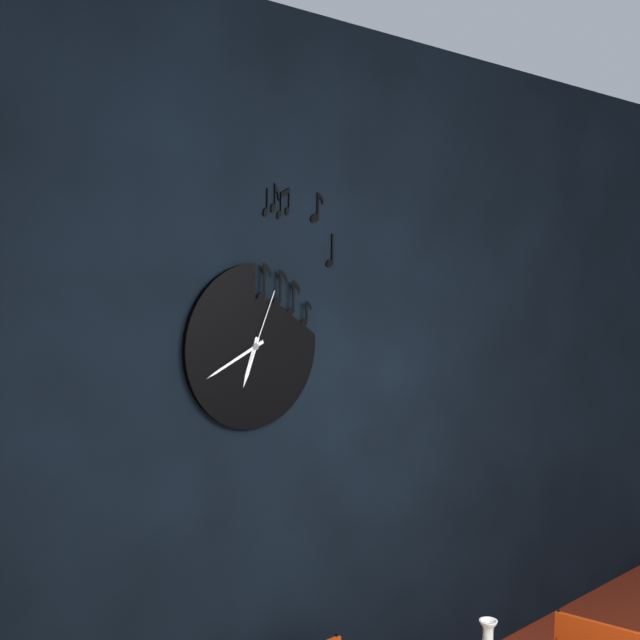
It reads 6:41:04
